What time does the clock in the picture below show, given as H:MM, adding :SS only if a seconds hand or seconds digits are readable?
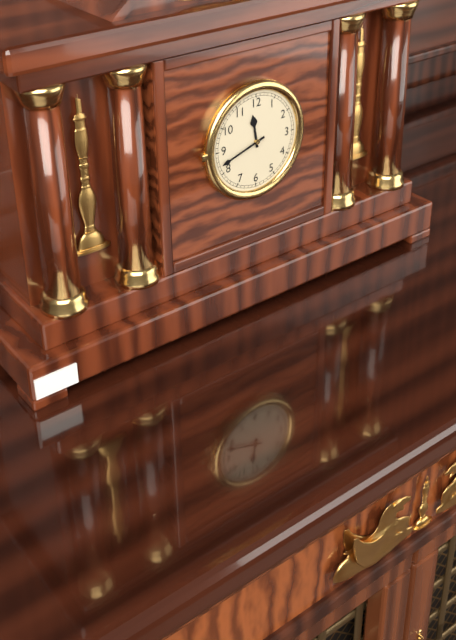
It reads 11:42
